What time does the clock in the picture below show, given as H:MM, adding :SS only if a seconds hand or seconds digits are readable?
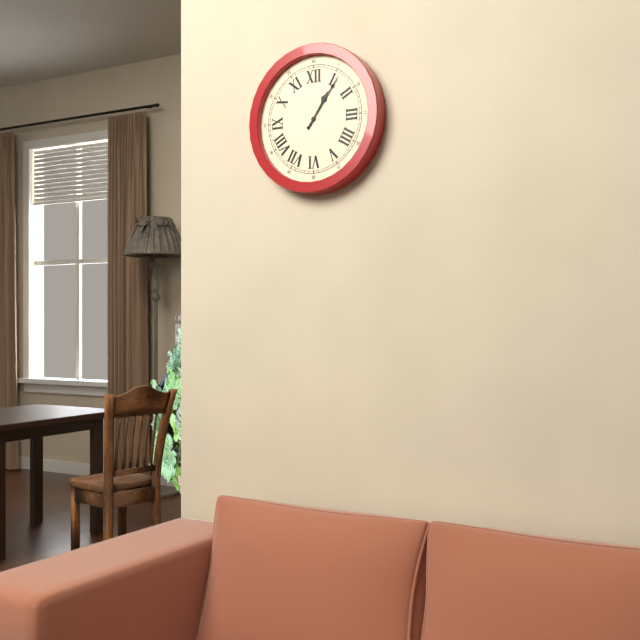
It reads 1:06
